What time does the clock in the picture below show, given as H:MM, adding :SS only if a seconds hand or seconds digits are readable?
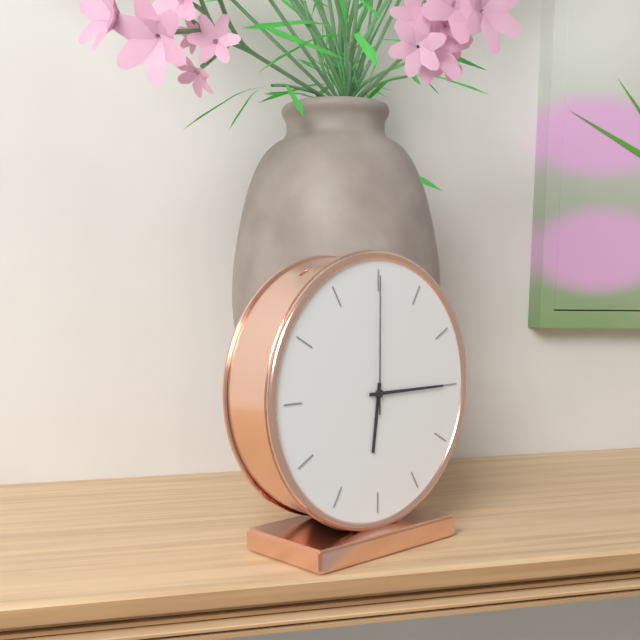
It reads 6:15:00
